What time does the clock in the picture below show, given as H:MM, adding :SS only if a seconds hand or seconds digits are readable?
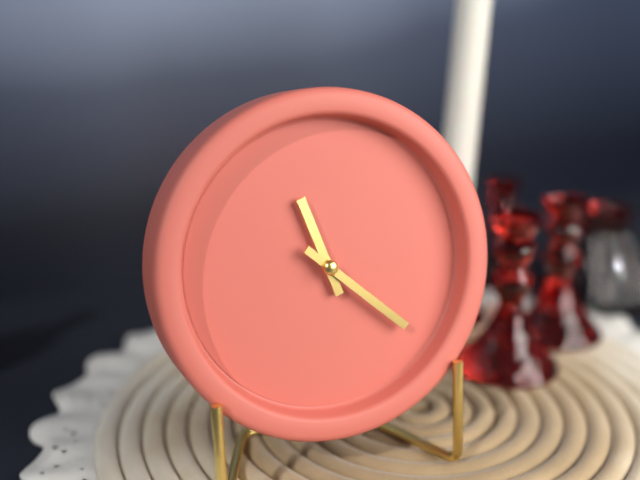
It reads 11:22
